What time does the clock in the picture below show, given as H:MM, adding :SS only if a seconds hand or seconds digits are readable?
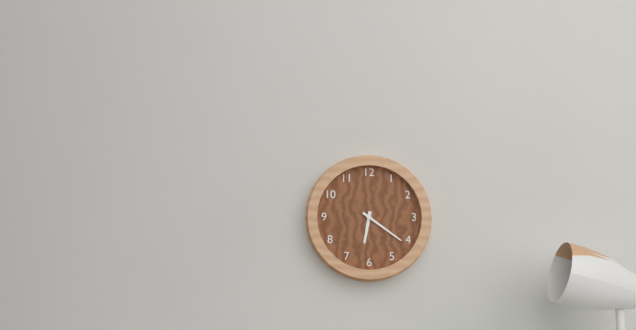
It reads 6:21
